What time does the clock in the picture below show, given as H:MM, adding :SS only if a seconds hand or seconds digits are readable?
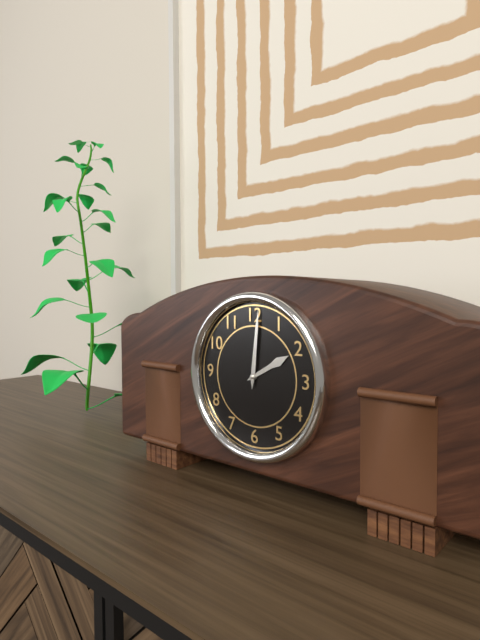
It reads 2:01
